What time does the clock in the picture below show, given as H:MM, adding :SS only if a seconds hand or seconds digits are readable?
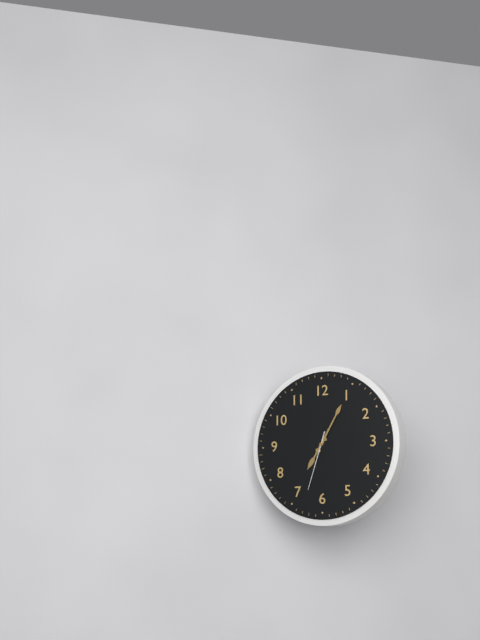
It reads 7:05:33
